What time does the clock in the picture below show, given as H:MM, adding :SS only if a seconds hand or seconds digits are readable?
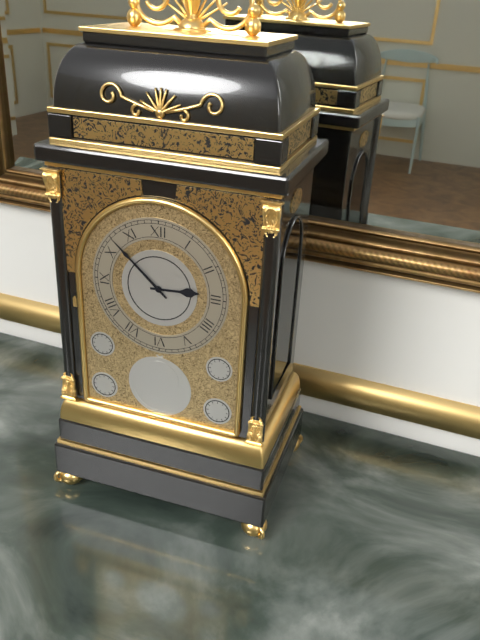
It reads 2:52
